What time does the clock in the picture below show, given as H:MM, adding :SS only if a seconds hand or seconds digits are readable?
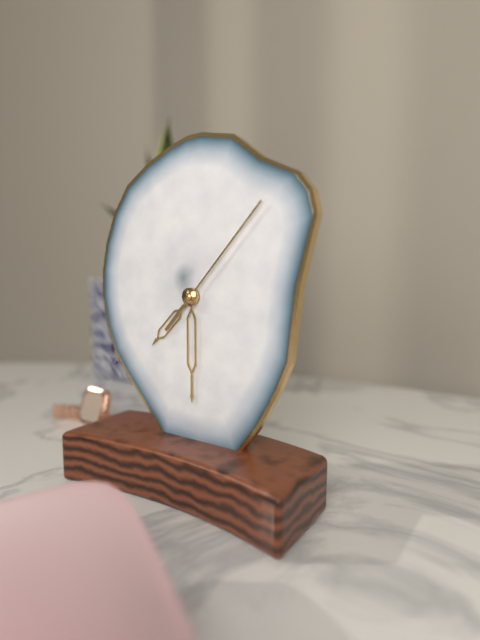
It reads 7:30:07
